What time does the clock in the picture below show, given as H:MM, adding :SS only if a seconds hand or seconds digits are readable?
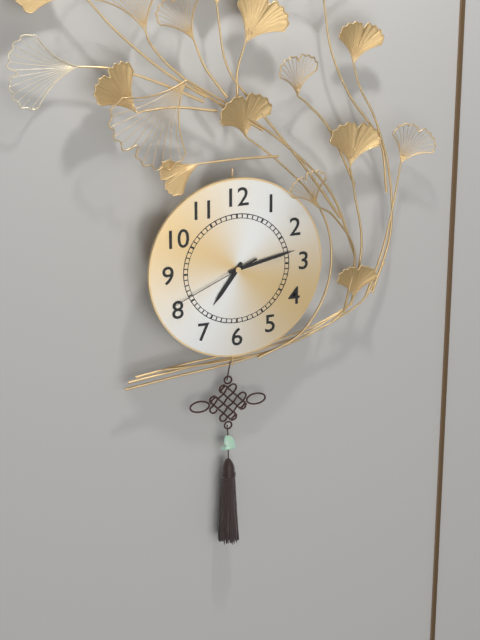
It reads 7:13:41
